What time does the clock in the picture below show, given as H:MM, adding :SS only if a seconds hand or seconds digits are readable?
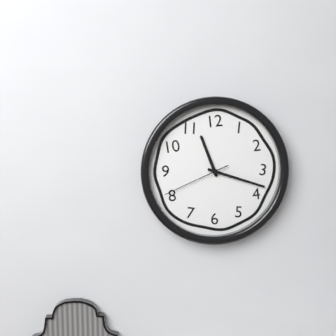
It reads 11:18:41
